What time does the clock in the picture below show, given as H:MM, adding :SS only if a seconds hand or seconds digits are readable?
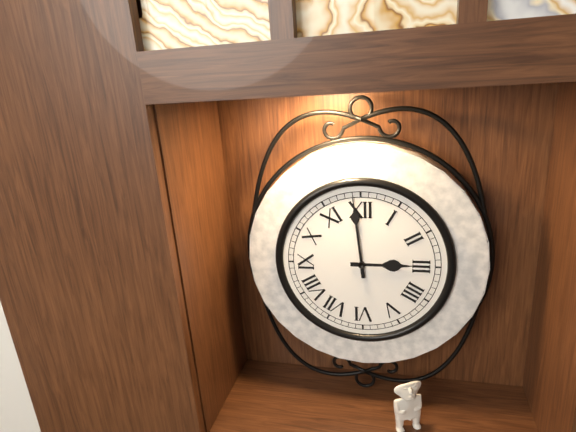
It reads 2:59
